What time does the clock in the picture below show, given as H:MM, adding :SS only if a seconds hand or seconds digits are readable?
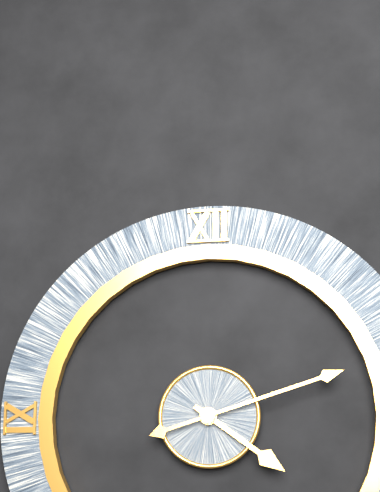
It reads 4:12
